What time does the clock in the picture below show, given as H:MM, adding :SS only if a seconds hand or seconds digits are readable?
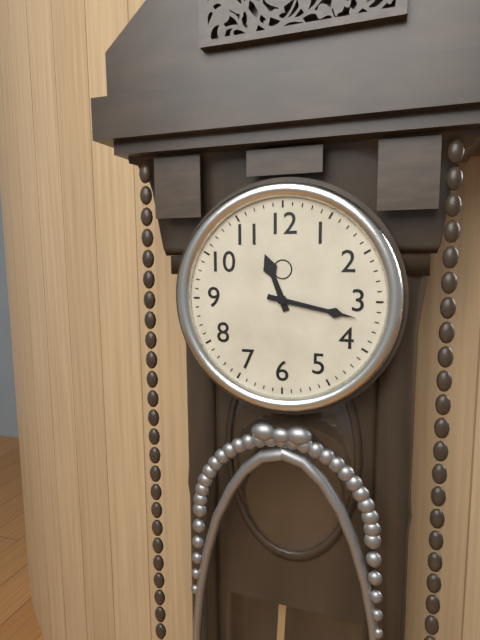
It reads 11:17
